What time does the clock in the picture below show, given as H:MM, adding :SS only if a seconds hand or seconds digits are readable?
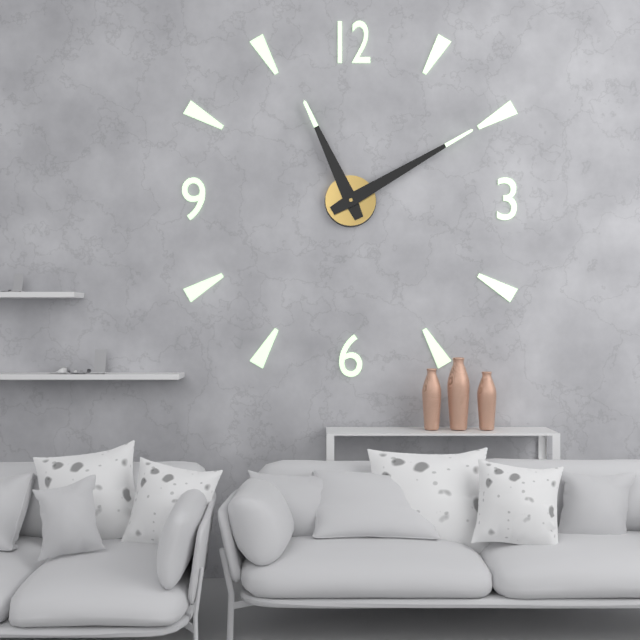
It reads 11:10
